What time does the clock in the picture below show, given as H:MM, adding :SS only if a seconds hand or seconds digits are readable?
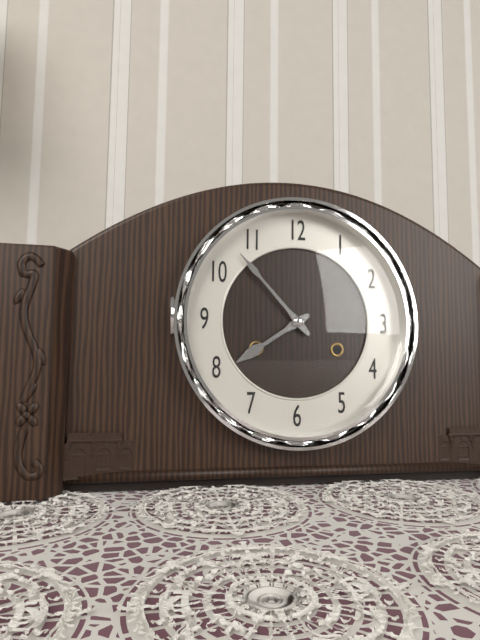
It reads 7:53
